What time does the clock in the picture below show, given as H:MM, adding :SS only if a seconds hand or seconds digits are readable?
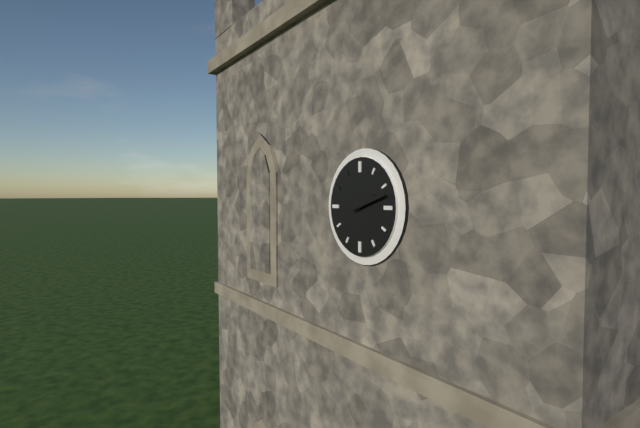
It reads 2:12
